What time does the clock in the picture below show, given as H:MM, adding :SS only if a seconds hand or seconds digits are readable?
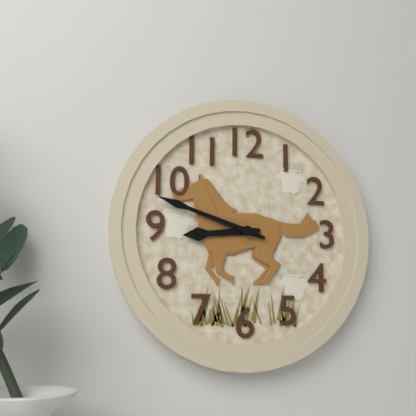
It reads 8:48
